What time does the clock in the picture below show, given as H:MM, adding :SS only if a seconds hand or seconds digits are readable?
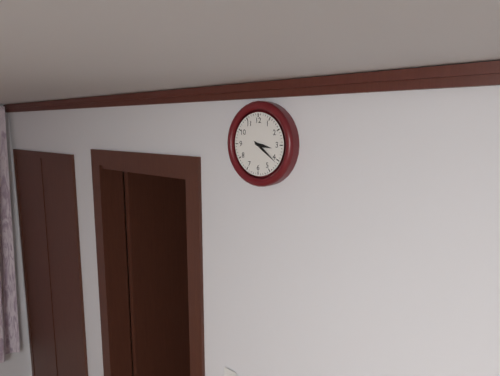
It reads 3:21
